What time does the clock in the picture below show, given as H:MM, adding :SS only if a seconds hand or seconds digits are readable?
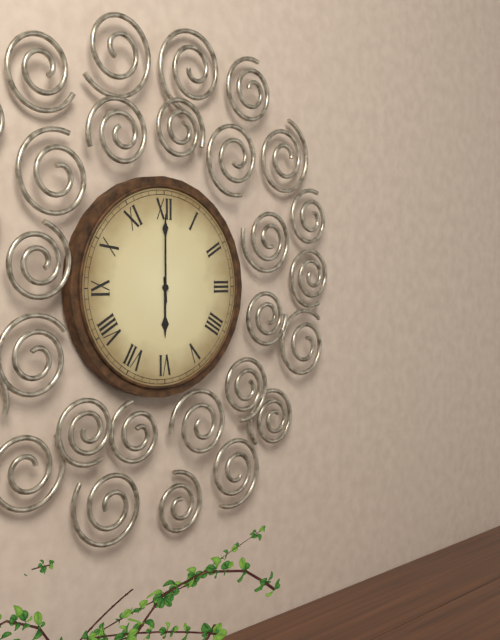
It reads 6:00
